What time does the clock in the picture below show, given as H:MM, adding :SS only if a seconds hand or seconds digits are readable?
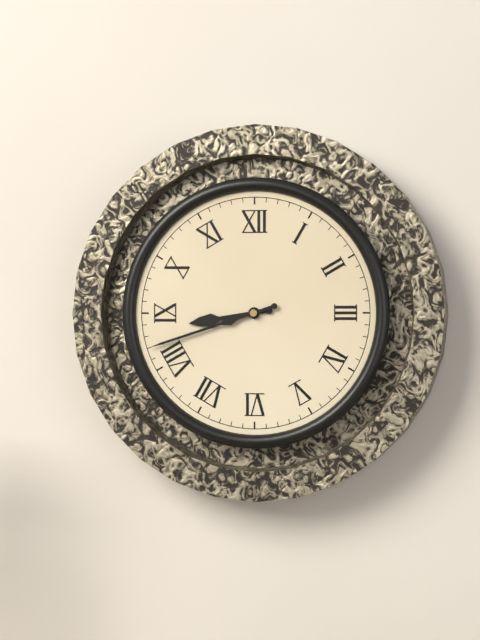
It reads 8:42
